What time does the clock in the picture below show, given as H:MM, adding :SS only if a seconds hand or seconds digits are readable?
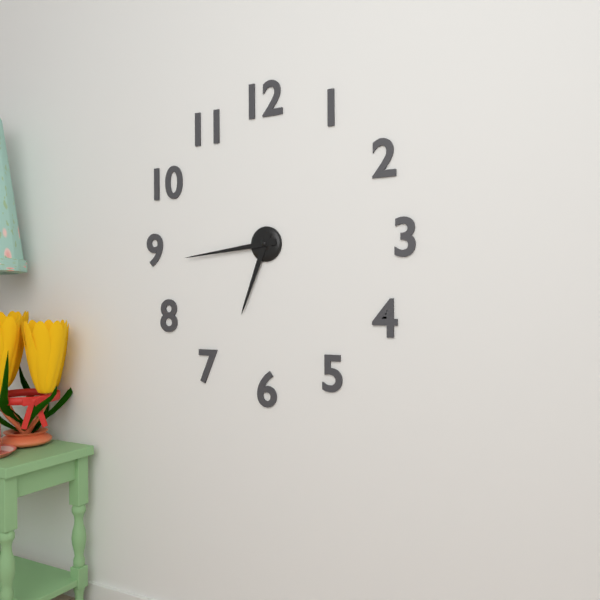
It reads 6:44
